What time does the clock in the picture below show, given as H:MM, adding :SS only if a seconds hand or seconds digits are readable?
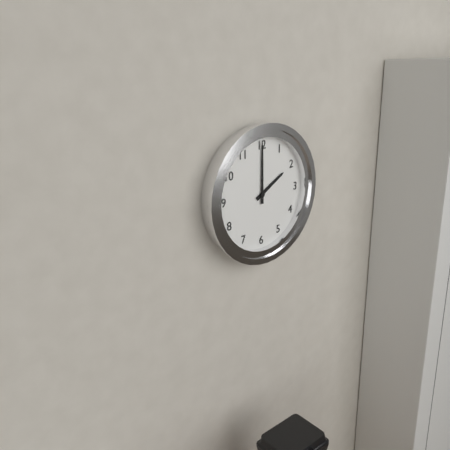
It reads 2:00
